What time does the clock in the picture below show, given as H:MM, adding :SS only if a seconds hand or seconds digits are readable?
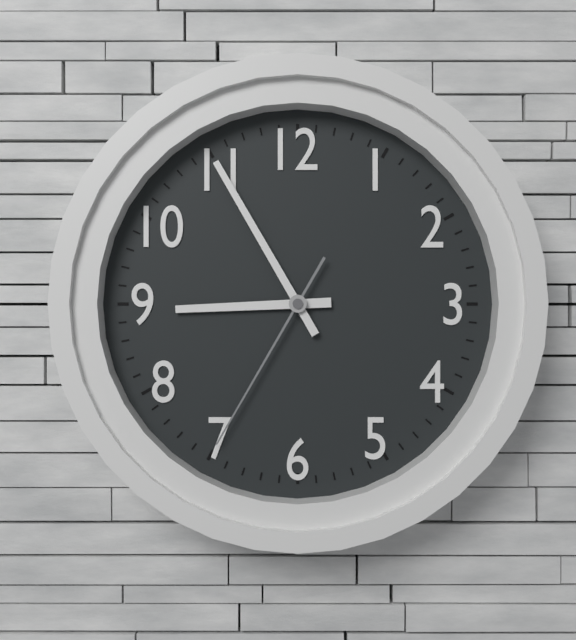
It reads 8:55:35
